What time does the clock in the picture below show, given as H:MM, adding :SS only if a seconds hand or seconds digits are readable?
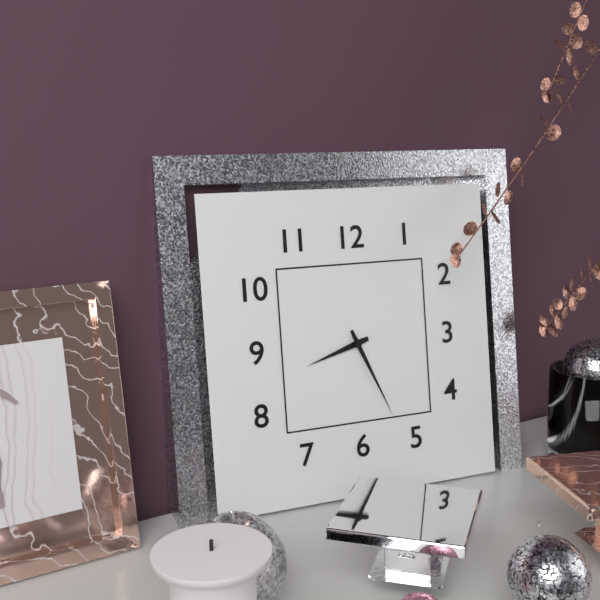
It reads 8:26
